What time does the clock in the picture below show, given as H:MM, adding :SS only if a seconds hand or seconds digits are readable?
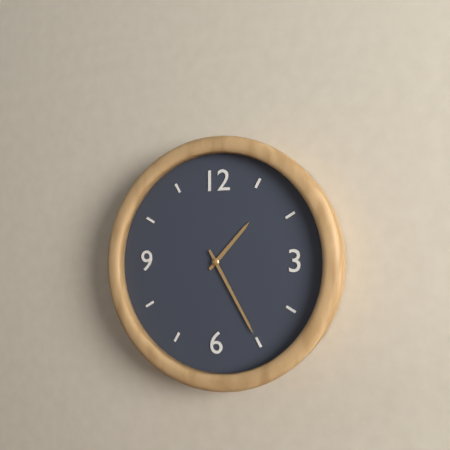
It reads 1:25
